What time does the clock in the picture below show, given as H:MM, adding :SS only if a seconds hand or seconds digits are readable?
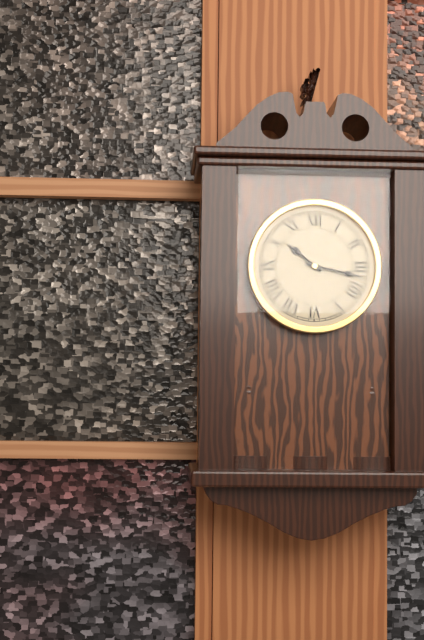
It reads 10:17
